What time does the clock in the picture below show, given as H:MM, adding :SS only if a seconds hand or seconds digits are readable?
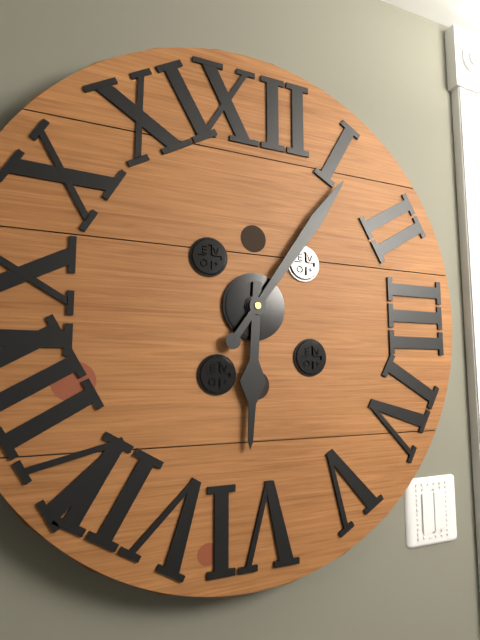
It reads 6:06
